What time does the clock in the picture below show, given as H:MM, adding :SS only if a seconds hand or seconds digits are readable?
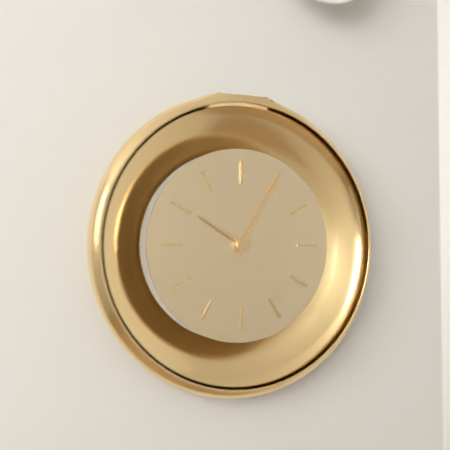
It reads 10:05
